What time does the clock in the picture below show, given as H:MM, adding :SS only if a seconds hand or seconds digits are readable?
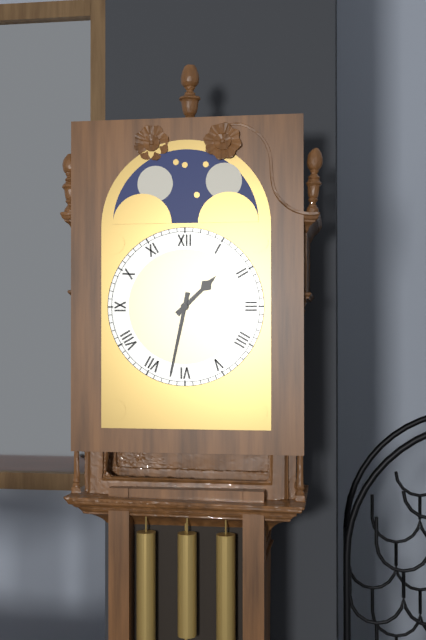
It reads 1:32
